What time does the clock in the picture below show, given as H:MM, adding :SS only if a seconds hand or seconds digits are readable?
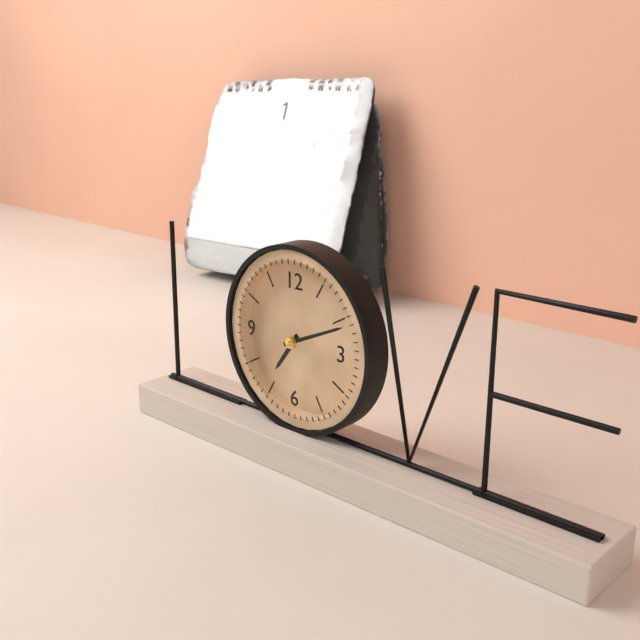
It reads 7:11
